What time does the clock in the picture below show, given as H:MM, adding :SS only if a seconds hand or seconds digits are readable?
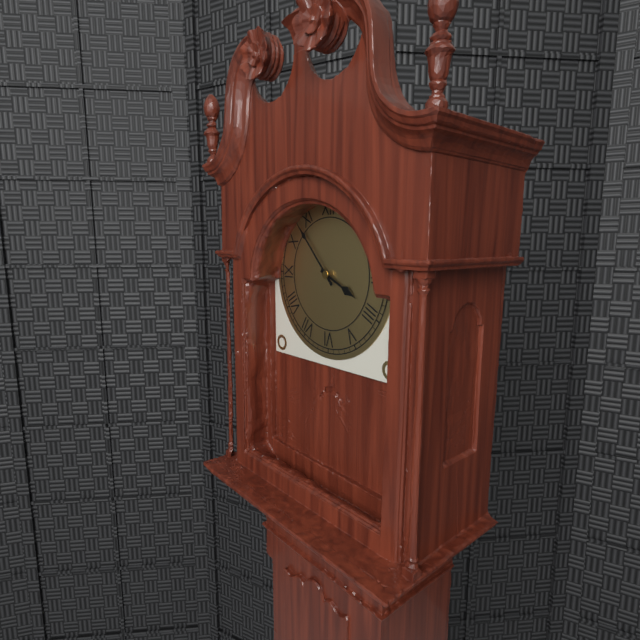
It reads 3:53
